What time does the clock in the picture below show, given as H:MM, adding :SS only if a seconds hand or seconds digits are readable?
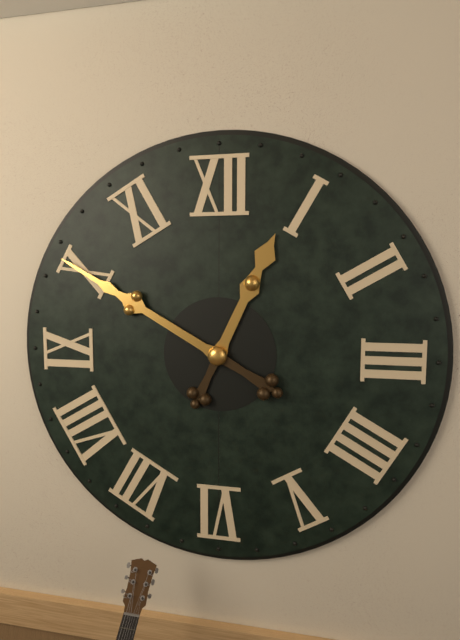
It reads 12:50
